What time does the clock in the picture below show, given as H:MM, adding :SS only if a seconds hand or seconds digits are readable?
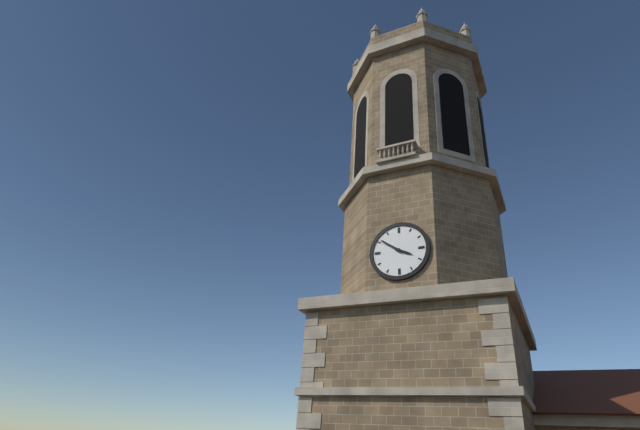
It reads 3:51
